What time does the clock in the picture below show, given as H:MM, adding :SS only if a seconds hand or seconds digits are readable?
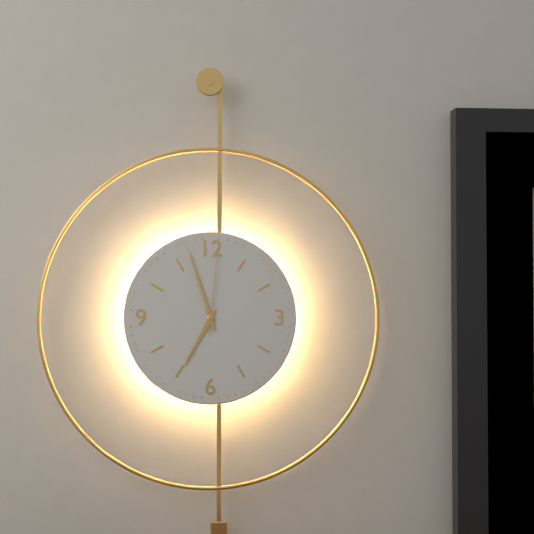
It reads 6:57:01
